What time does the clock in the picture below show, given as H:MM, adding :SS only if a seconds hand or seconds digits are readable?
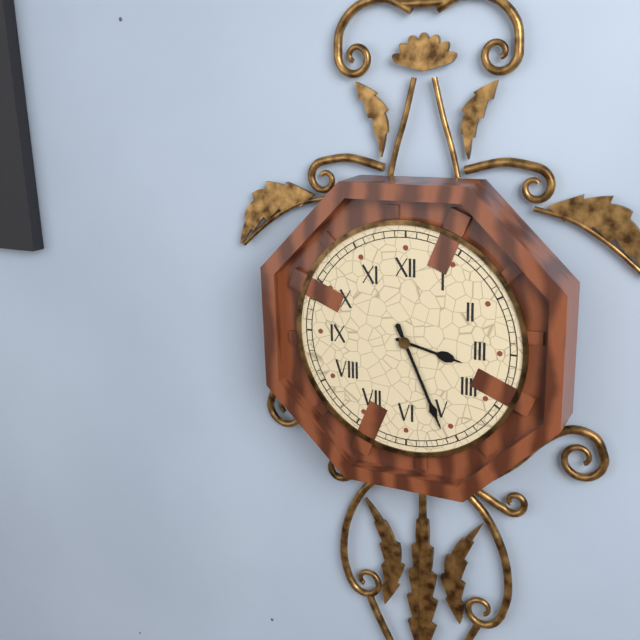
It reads 3:26
